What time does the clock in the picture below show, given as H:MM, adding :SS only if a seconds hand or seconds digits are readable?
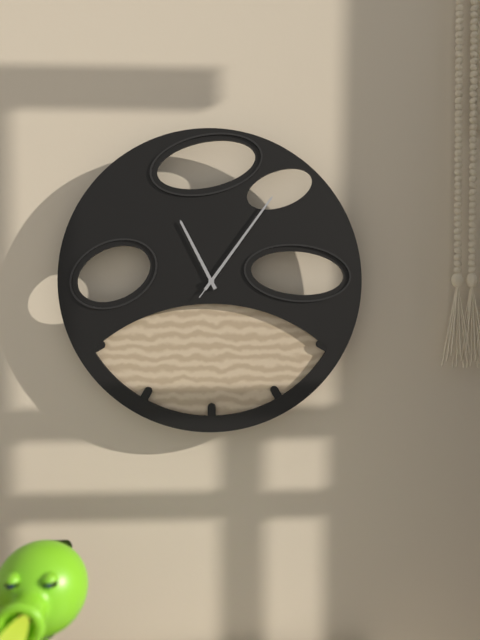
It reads 11:06:06
